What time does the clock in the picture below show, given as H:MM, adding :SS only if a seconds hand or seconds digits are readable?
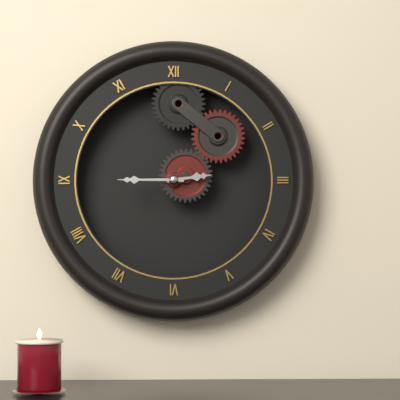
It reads 2:45
